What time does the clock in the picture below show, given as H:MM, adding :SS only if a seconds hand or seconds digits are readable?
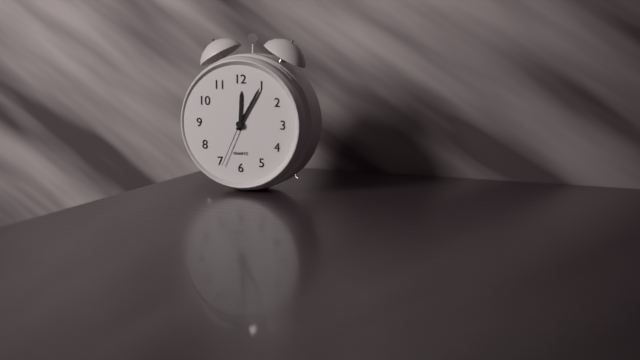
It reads 12:05:34
